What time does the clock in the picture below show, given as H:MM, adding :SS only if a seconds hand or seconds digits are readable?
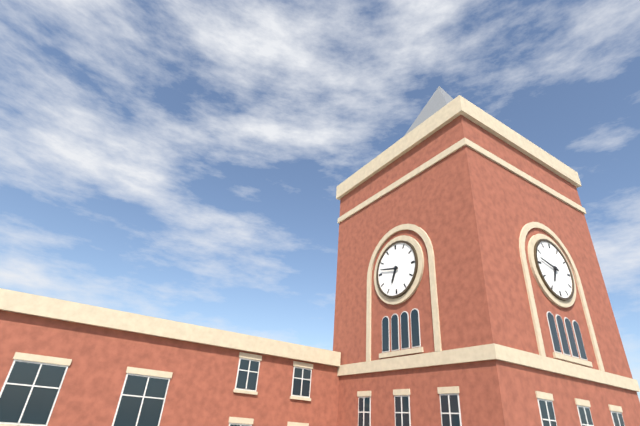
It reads 6:47
